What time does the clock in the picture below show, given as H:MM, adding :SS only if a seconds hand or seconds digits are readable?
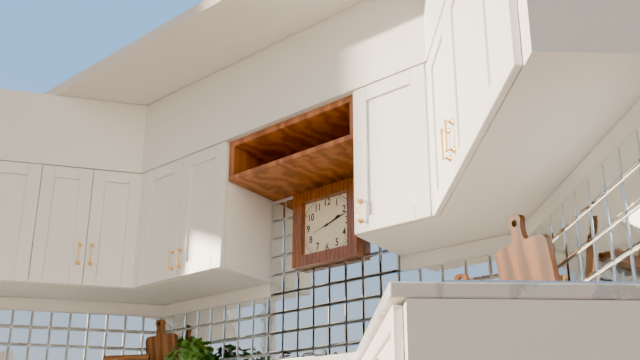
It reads 2:12
